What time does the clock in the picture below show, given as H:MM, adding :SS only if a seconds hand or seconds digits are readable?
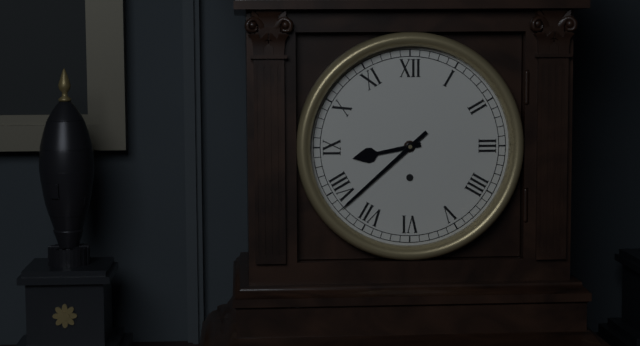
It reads 8:38
